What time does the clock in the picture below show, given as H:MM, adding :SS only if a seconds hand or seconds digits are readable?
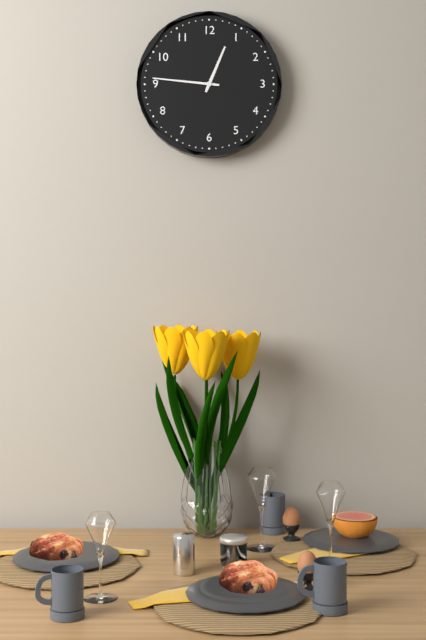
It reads 12:46
